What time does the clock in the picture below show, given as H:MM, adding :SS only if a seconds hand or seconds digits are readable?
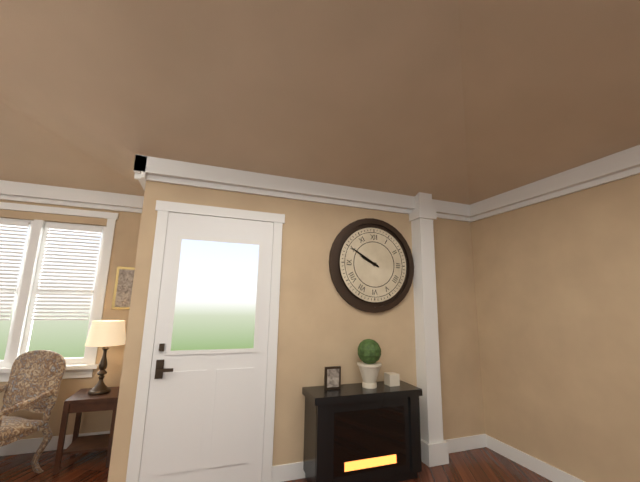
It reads 9:50
